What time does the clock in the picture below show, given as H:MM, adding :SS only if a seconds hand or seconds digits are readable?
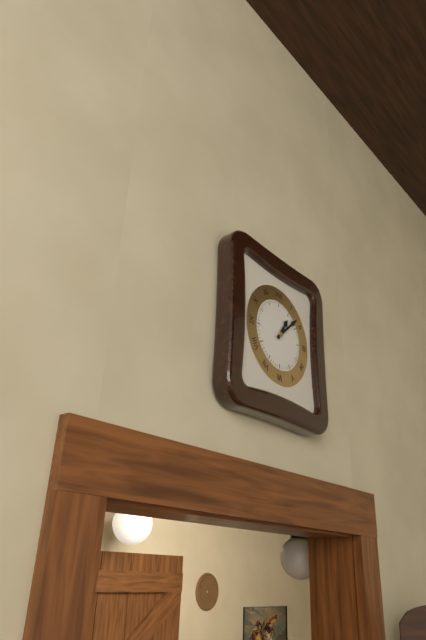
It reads 1:08
